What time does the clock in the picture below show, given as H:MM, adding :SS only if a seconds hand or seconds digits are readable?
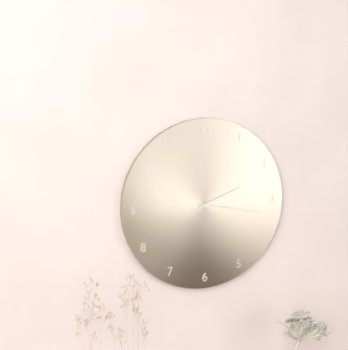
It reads 2:17
